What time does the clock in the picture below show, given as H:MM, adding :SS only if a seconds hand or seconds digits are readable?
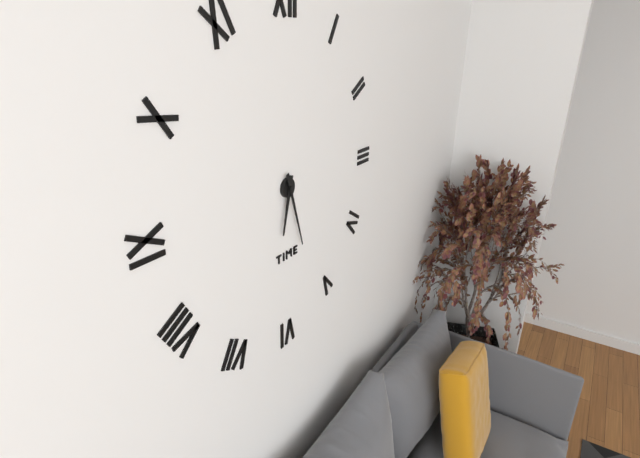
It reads 6:27
